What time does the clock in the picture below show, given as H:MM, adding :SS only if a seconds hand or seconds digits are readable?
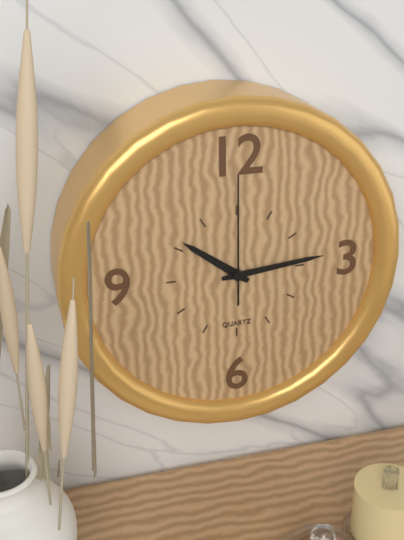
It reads 10:14:00
